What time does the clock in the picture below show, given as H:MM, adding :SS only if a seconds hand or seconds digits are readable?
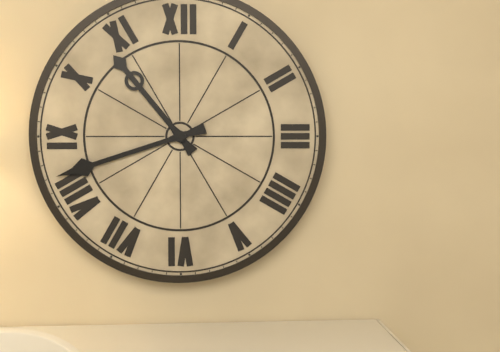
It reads 10:42
